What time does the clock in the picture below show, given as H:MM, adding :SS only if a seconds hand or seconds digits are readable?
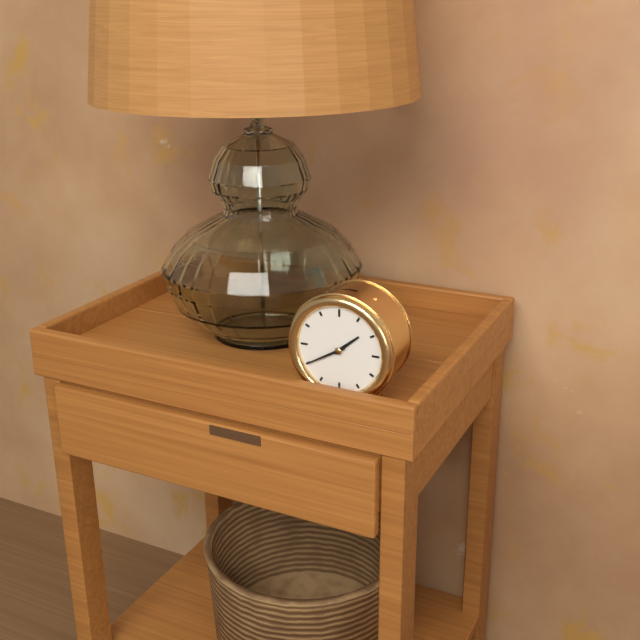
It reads 1:40
